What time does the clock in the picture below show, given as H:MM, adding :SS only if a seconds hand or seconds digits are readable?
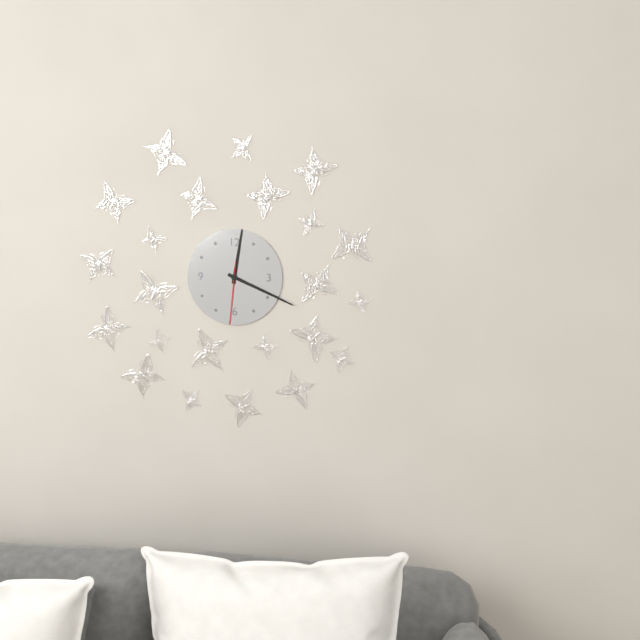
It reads 12:19:31
